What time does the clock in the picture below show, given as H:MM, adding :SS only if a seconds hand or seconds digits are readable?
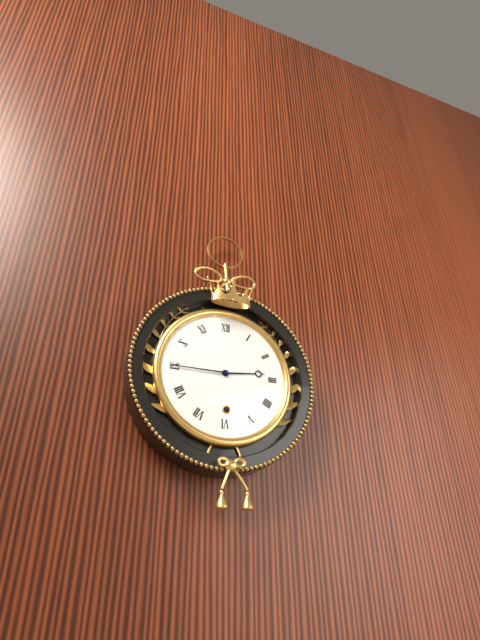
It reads 2:45
